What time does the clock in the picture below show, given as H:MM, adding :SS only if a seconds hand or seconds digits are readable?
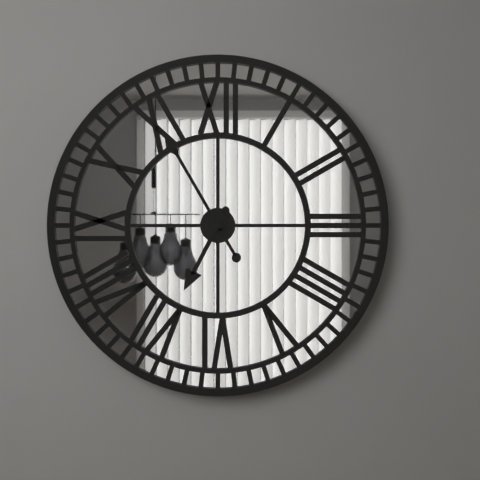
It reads 6:55
